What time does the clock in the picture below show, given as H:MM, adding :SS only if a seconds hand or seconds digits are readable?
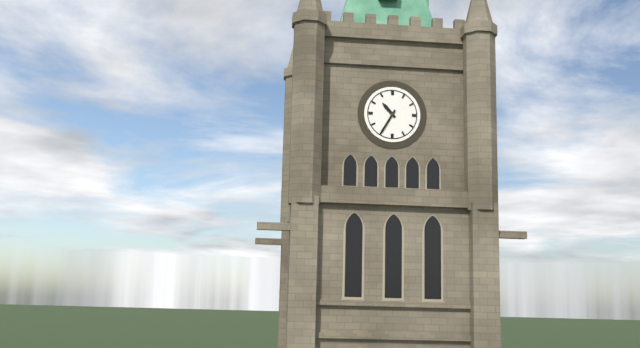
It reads 10:35
